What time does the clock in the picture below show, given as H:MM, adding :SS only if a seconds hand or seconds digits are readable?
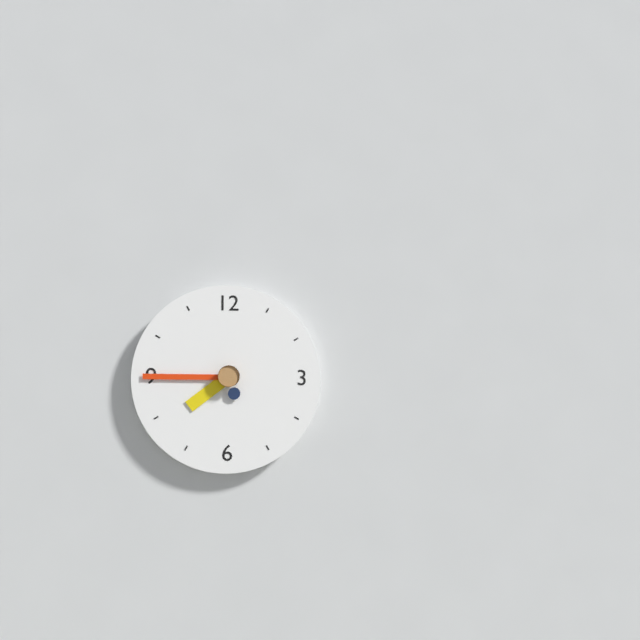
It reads 7:45
